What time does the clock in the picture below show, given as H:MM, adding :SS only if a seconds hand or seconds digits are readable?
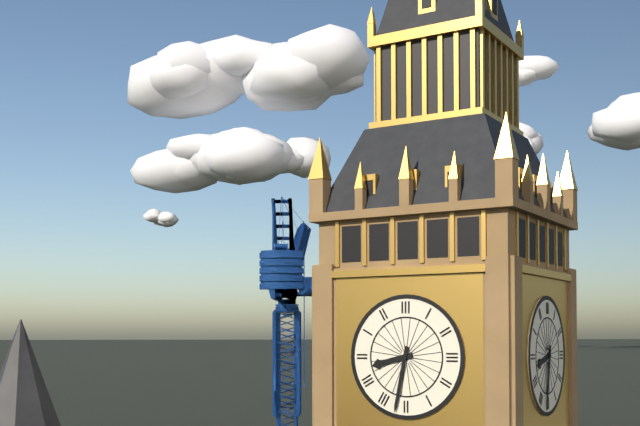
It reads 8:32
